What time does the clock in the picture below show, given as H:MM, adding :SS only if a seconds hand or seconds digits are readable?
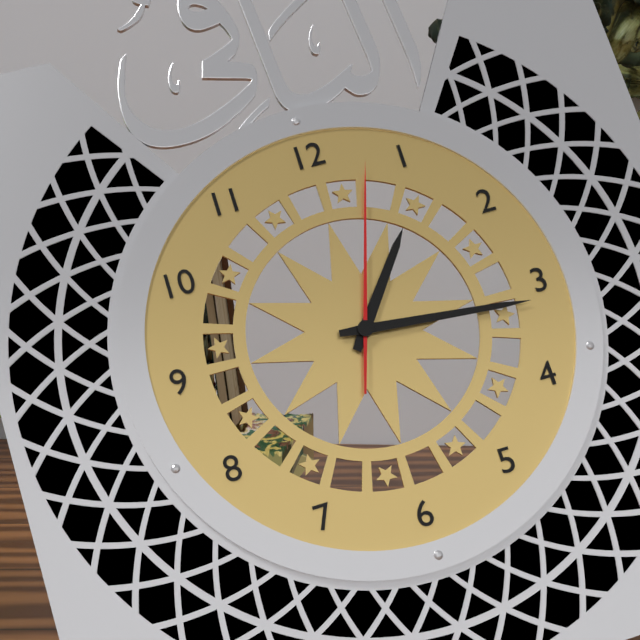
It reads 1:16:03
